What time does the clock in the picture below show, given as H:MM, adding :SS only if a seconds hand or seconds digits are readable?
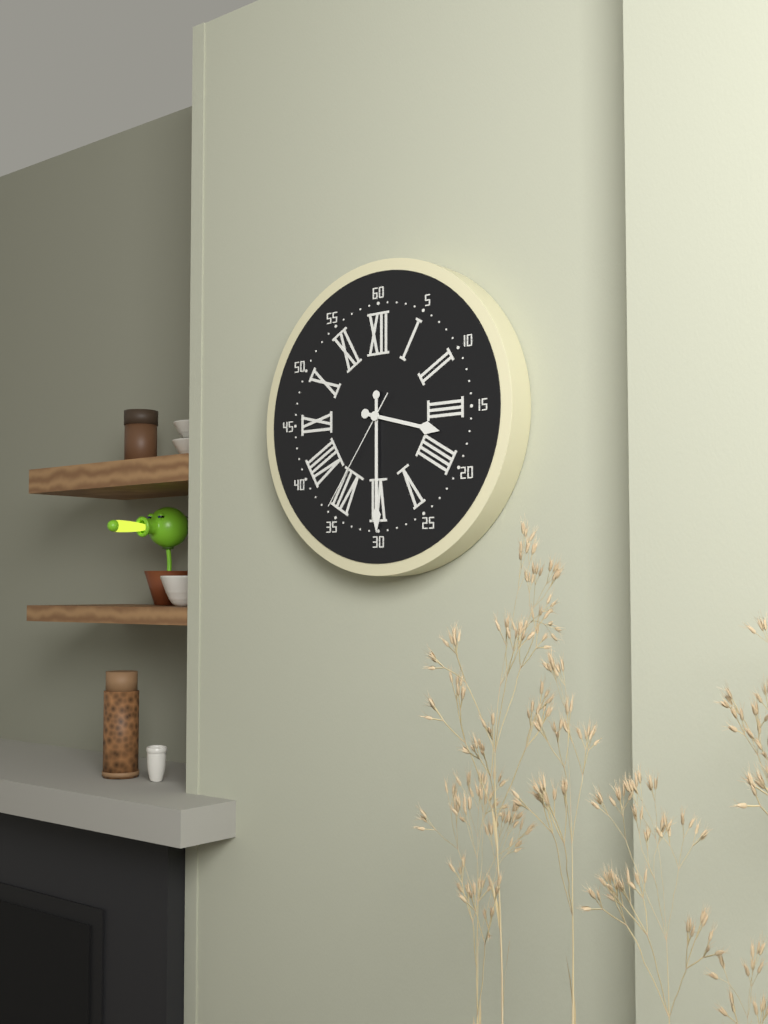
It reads 3:30:36
